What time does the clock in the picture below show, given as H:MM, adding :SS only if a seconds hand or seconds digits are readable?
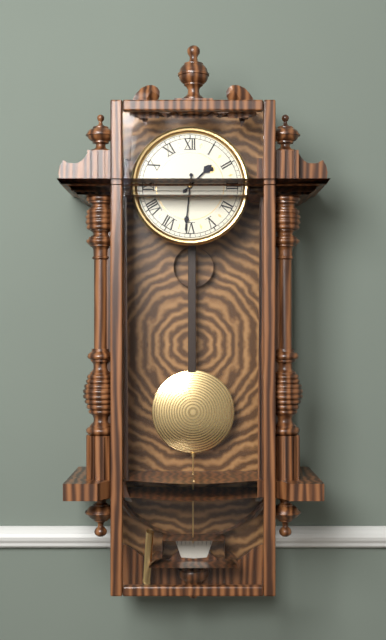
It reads 1:31
